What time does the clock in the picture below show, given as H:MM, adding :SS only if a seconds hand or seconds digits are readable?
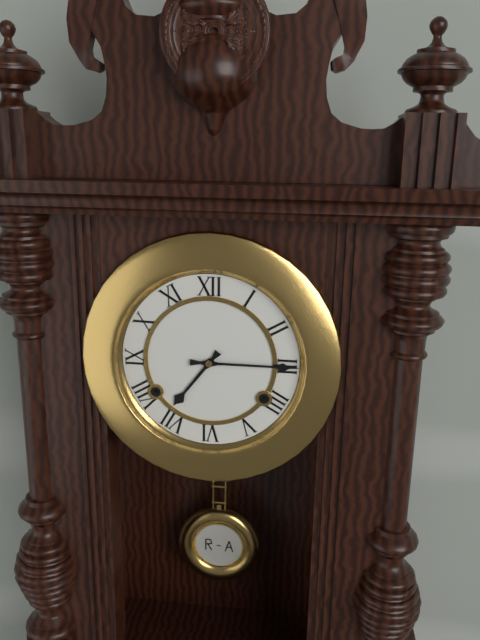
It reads 7:15
